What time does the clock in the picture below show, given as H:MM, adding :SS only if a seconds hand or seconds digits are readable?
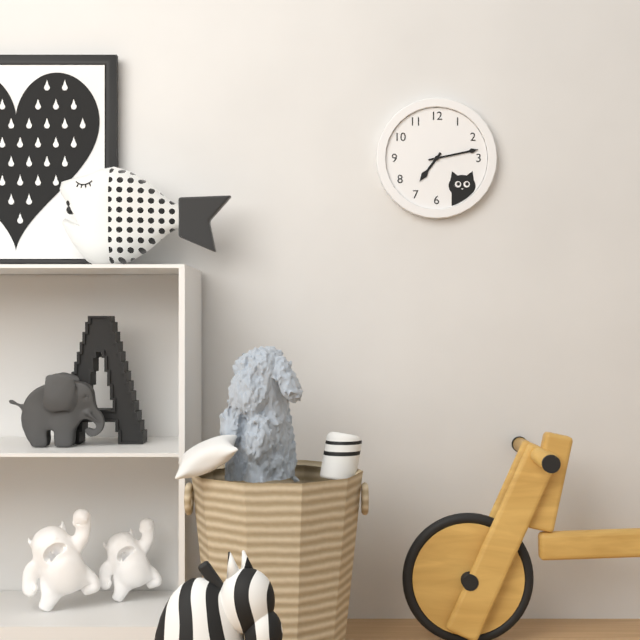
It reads 7:13
